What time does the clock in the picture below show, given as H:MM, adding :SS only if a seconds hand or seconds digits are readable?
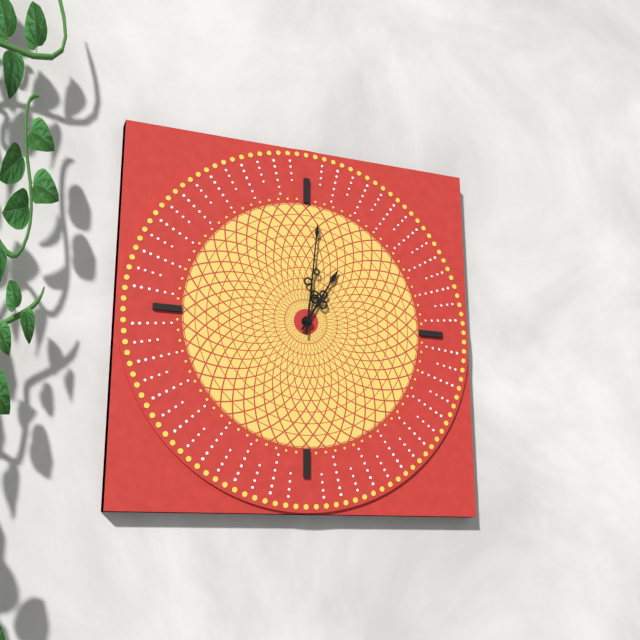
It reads 1:01
